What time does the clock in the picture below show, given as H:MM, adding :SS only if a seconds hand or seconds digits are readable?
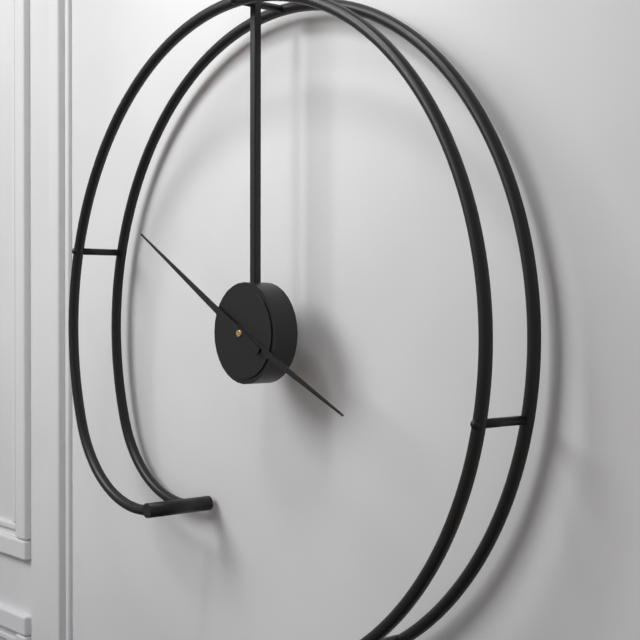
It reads 3:50
